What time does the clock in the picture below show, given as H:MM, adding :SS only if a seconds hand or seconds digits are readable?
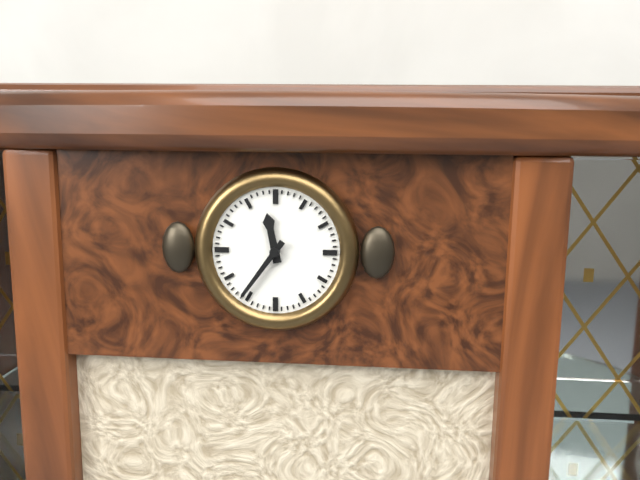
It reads 11:36
